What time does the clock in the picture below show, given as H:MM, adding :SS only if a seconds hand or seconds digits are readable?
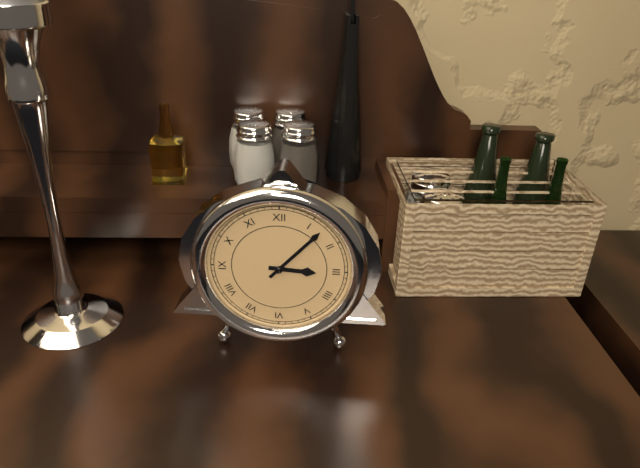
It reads 3:07
